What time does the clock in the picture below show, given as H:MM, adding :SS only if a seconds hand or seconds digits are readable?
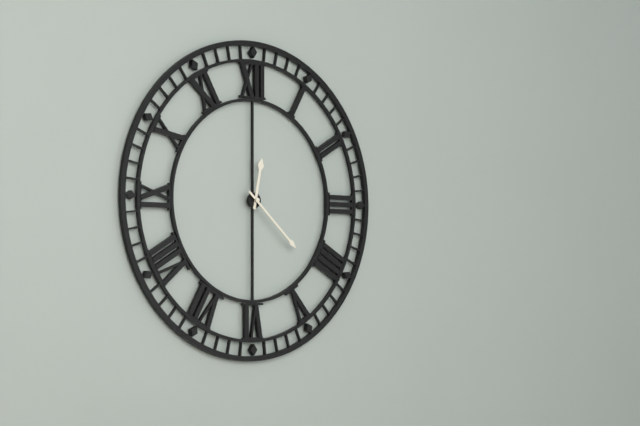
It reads 12:22
